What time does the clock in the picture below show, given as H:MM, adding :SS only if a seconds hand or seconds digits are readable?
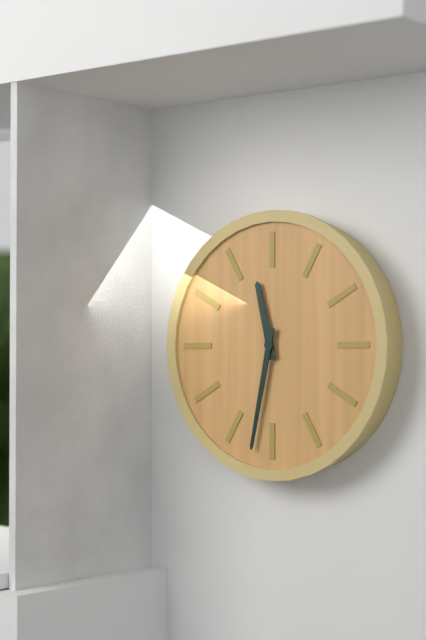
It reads 11:32
